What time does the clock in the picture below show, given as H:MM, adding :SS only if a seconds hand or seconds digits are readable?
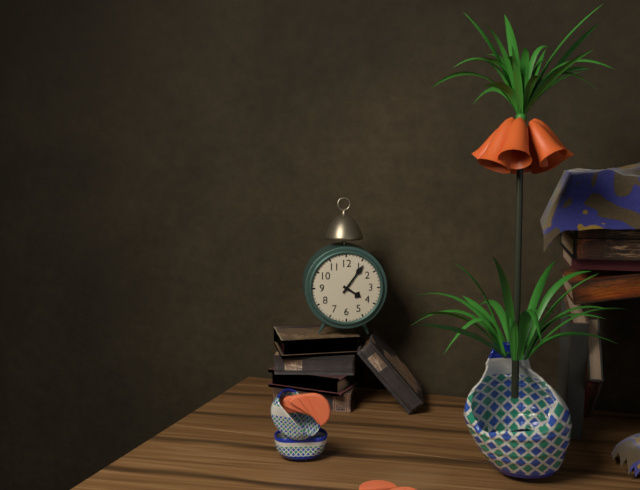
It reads 4:06
